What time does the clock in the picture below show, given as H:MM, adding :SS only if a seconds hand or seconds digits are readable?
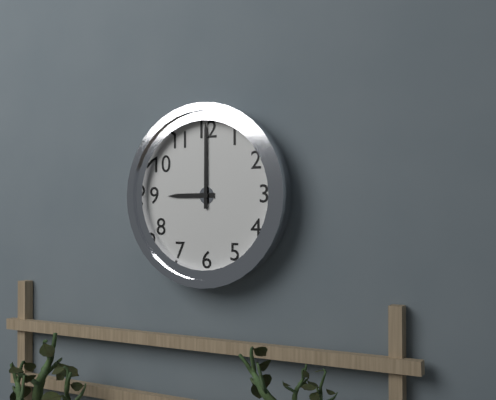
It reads 9:00
